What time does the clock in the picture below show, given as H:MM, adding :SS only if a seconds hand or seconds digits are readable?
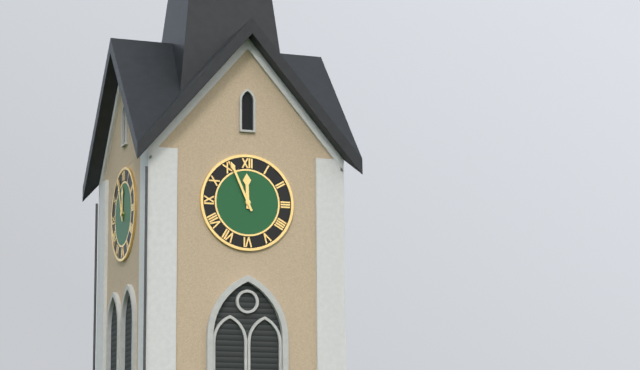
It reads 11:56
